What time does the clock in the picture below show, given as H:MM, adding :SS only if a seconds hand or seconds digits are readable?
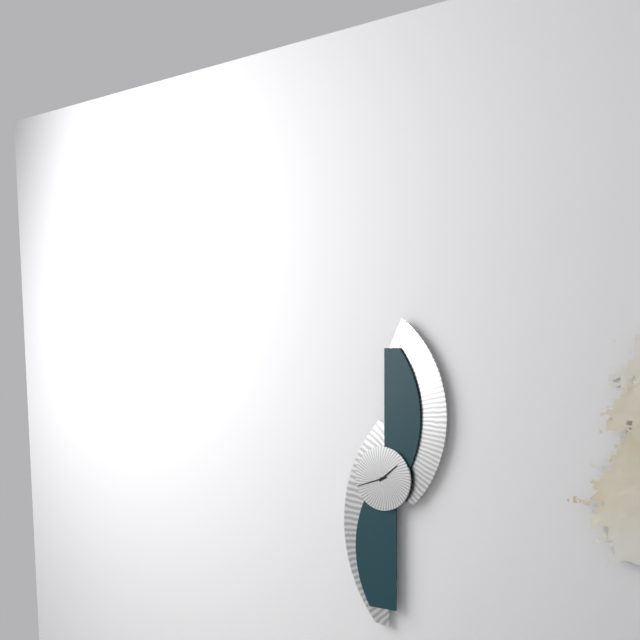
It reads 1:42
